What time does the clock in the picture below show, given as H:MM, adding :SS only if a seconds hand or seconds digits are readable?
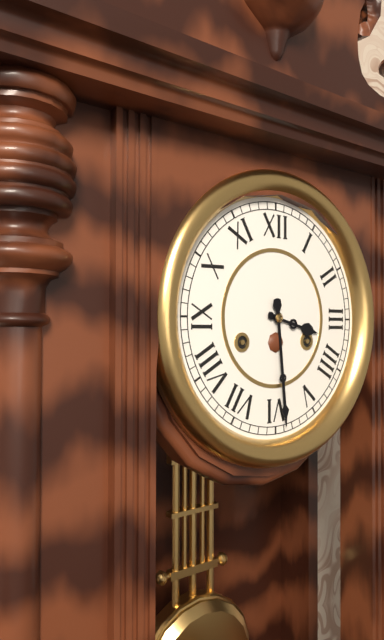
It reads 3:29
